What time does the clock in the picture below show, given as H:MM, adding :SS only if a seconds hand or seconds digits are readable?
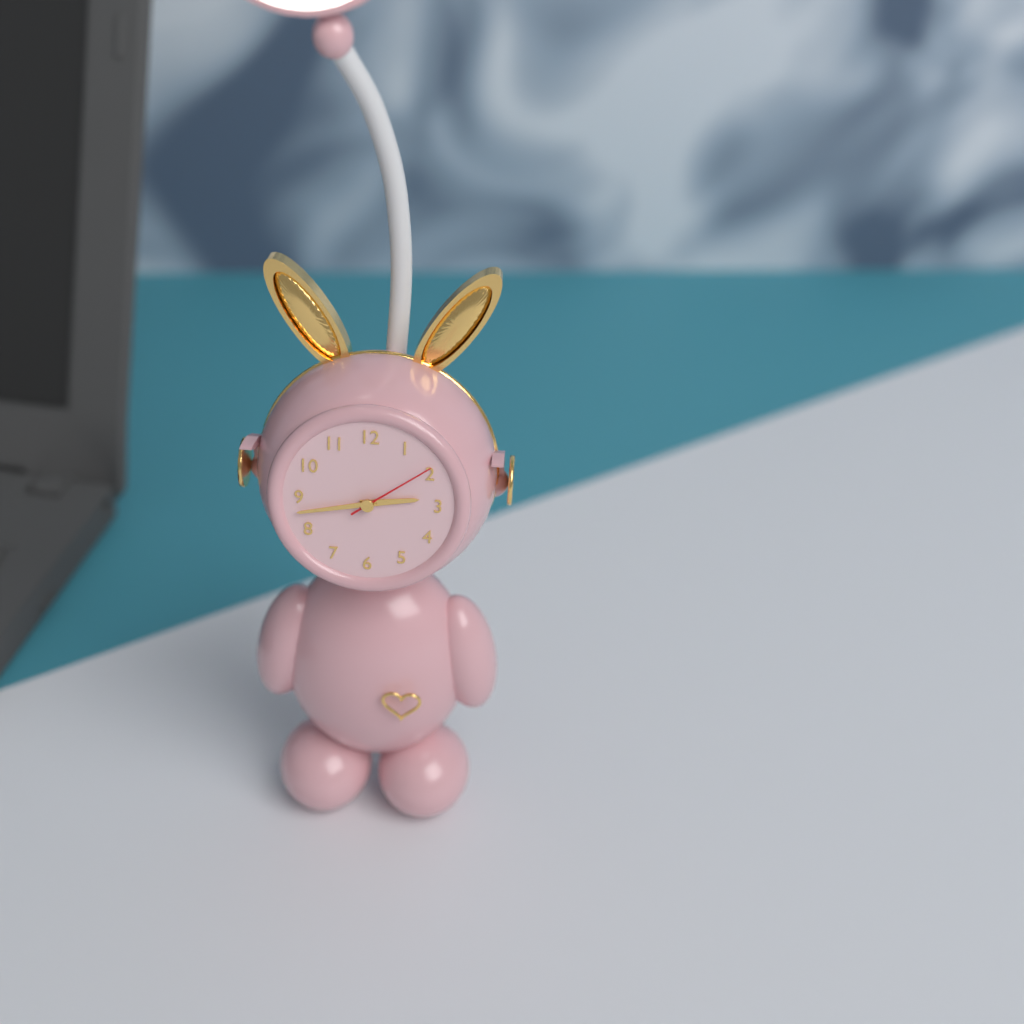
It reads 2:43:09
